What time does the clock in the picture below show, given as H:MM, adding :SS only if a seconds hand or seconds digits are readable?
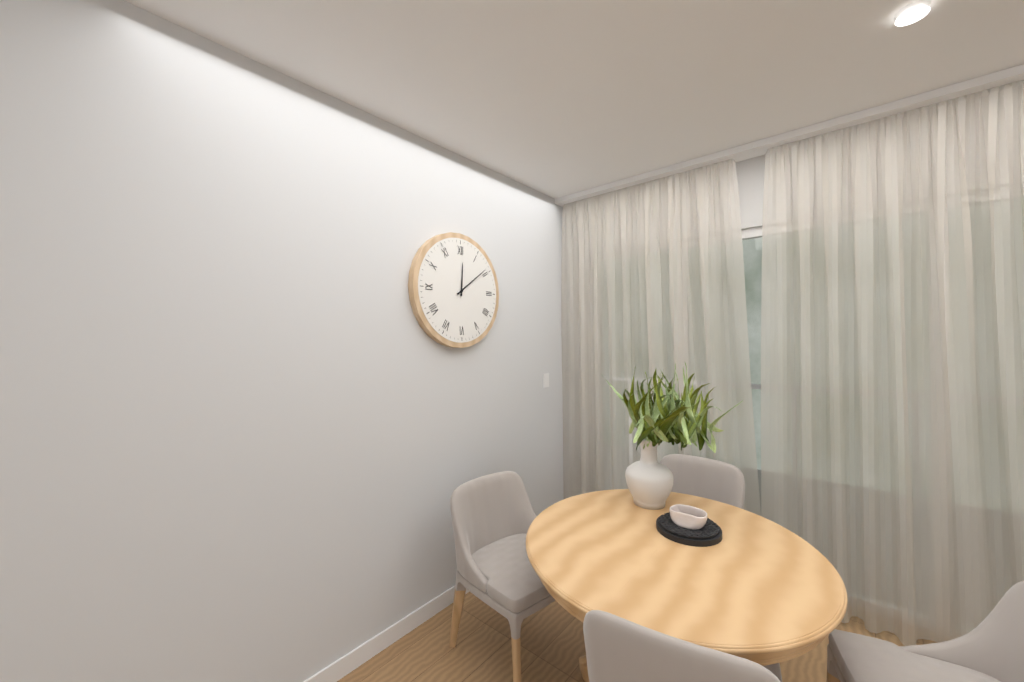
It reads 12:09
